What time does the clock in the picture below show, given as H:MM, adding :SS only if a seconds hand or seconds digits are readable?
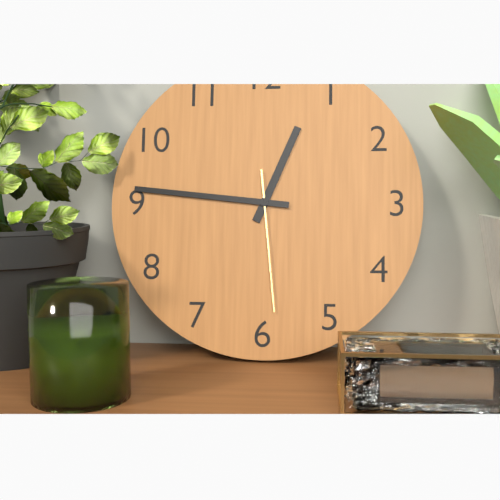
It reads 12:46:29
